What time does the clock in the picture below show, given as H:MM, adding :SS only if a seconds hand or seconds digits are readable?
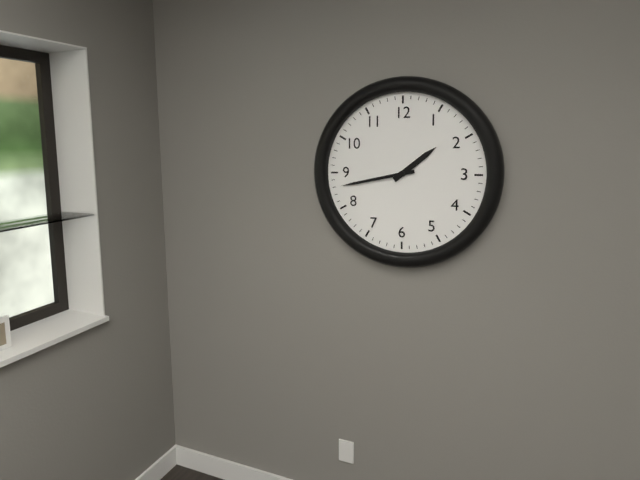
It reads 1:43
